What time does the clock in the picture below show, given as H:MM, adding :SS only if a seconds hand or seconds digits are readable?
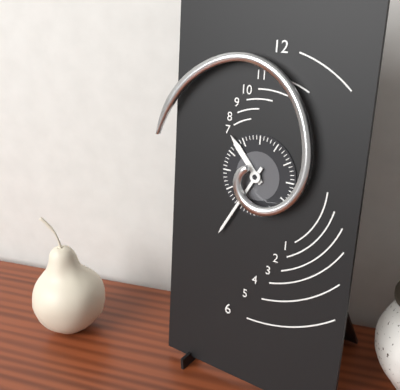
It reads 10:35
